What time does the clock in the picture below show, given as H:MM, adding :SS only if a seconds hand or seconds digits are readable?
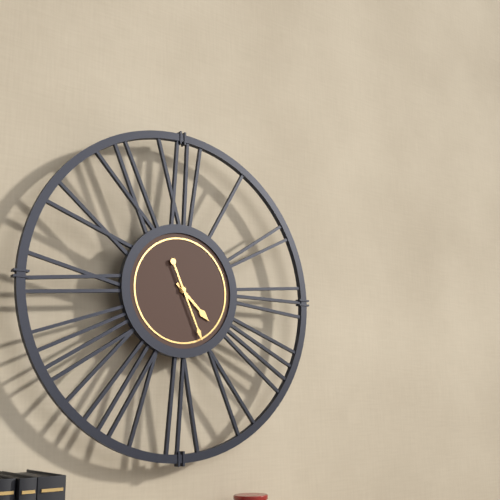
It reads 4:26
